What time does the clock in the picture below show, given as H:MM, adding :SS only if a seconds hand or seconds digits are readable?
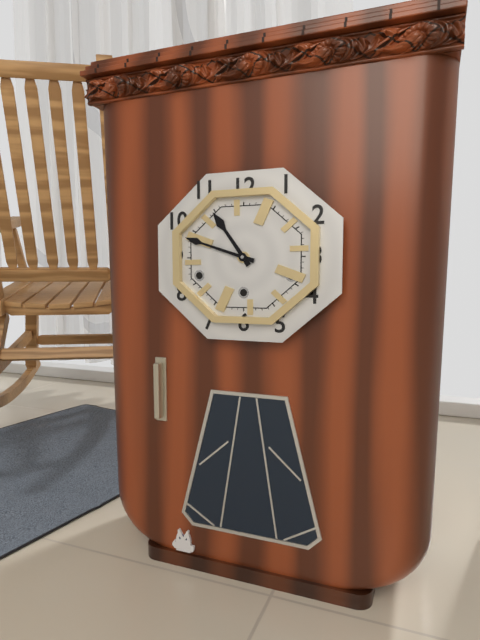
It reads 10:48
